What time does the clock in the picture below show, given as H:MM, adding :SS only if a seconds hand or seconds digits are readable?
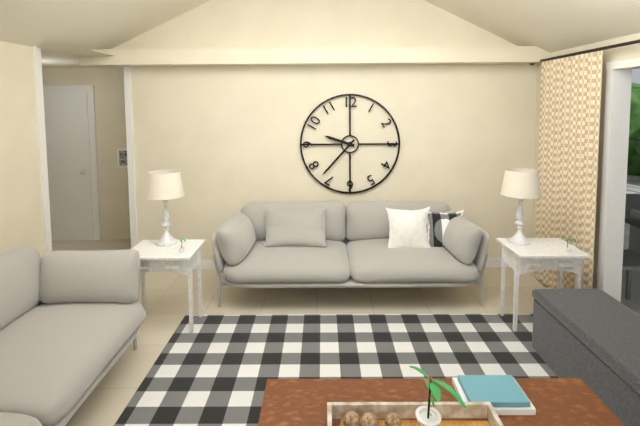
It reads 9:37
